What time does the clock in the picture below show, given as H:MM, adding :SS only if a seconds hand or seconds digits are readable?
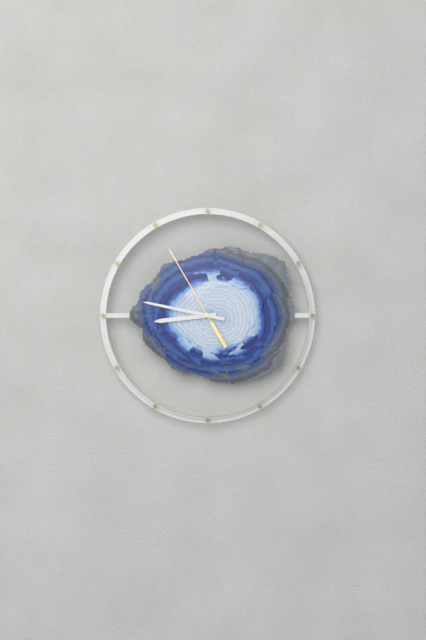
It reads 8:47:55
